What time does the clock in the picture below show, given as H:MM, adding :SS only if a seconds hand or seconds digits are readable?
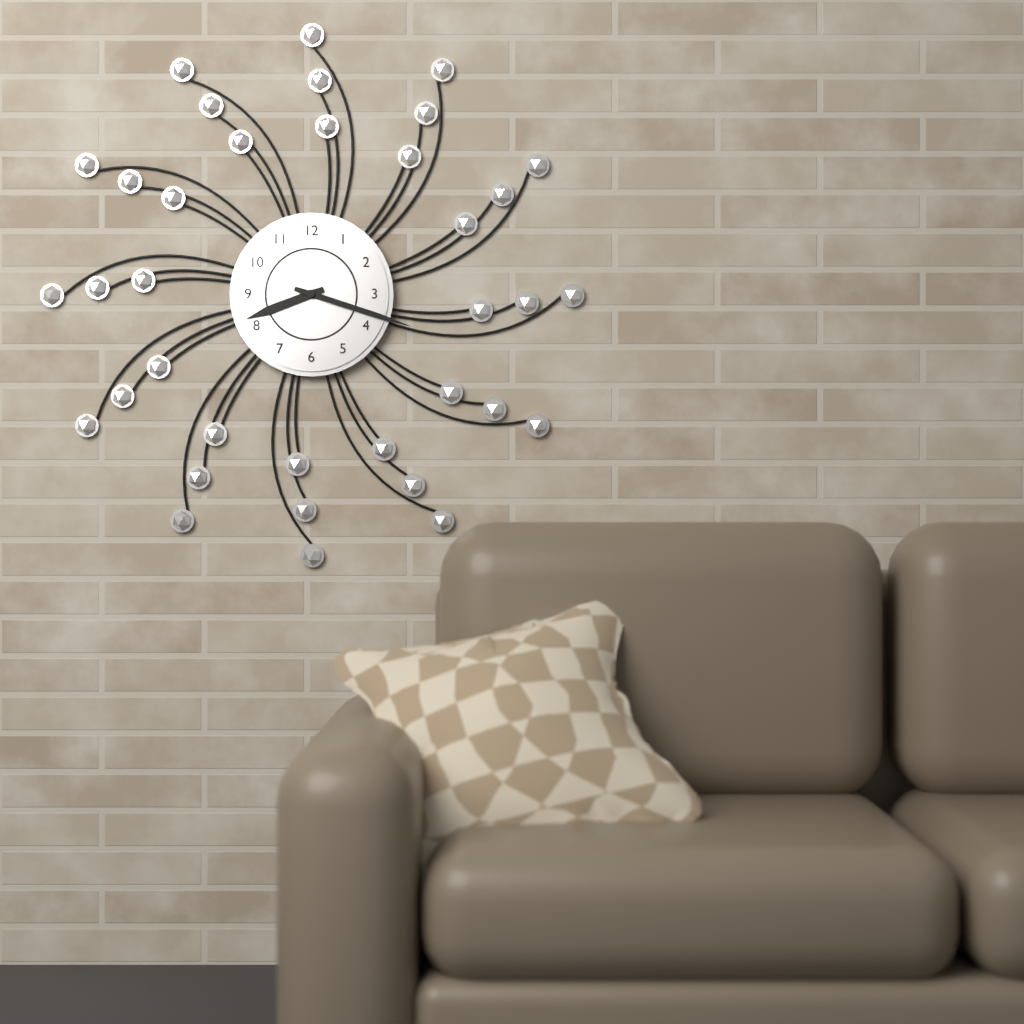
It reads 8:18
